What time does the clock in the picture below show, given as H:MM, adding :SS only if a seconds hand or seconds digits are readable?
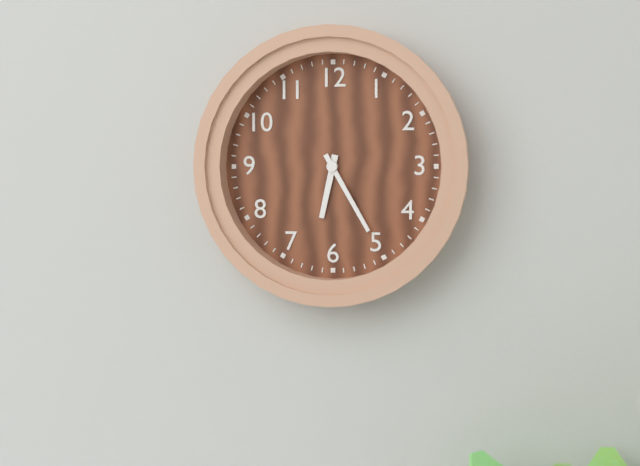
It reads 6:25
